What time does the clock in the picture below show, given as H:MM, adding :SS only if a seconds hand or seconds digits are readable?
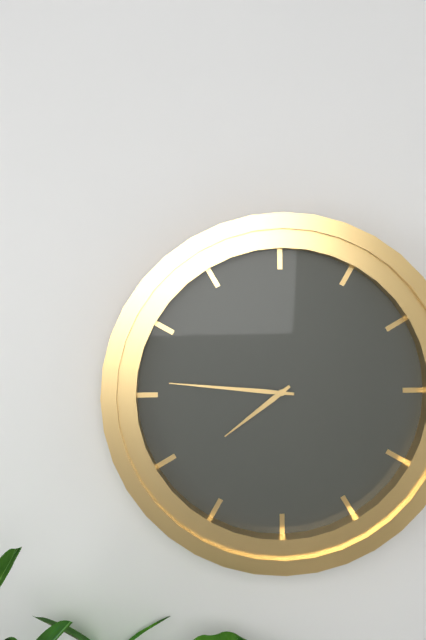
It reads 7:46
